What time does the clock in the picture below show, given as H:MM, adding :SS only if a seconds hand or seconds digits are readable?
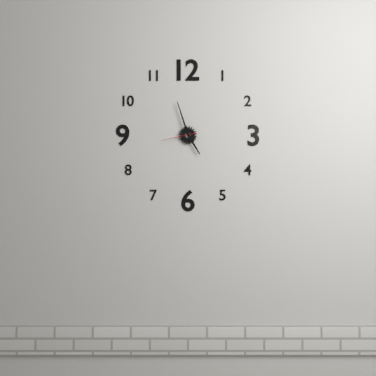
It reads 4:57
